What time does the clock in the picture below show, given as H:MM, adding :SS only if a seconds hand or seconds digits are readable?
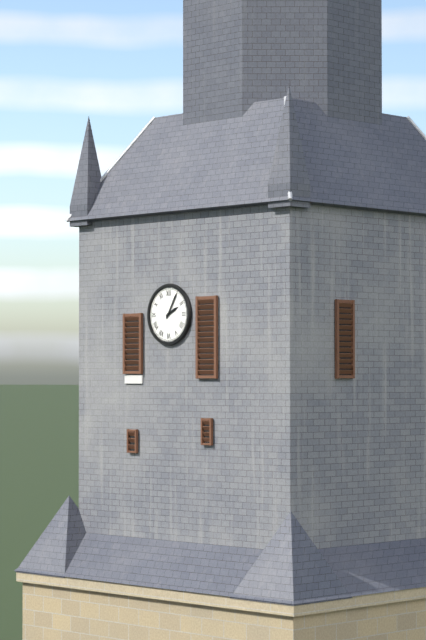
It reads 2:05
